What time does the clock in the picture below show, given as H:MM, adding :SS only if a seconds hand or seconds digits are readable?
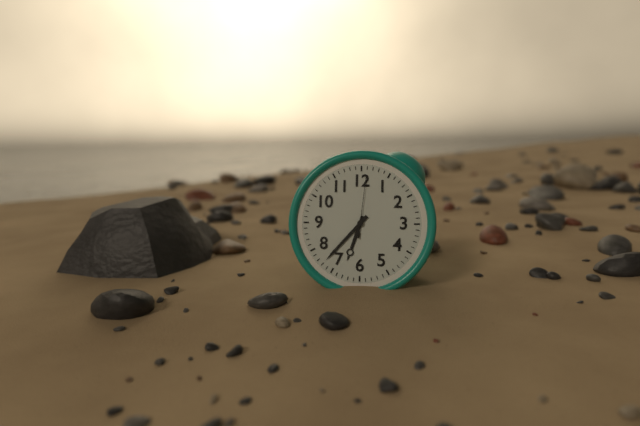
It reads 6:37:01
